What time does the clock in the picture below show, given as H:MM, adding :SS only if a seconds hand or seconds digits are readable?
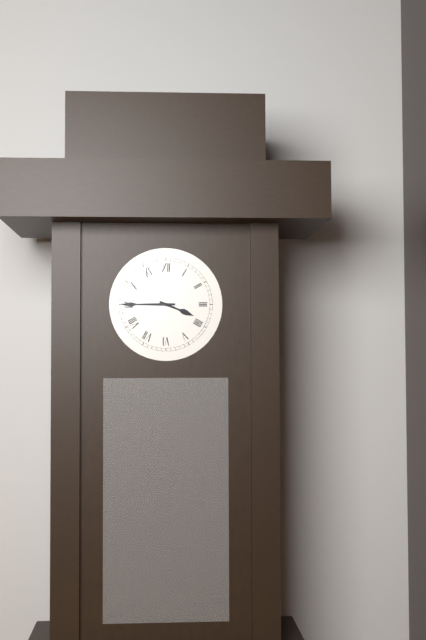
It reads 3:45
